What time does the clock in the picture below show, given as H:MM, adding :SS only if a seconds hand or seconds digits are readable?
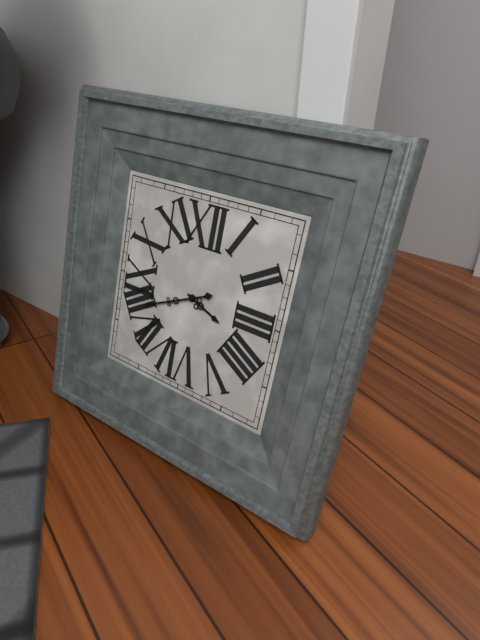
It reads 3:41
